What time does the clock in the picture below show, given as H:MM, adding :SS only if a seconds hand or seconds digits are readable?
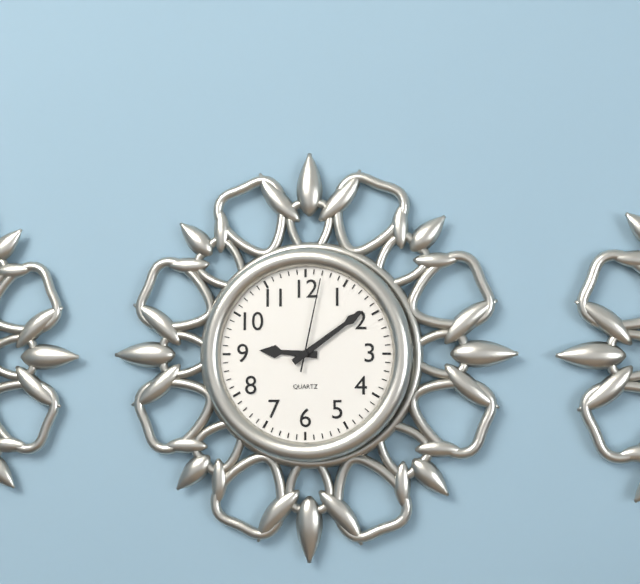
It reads 9:09:02
